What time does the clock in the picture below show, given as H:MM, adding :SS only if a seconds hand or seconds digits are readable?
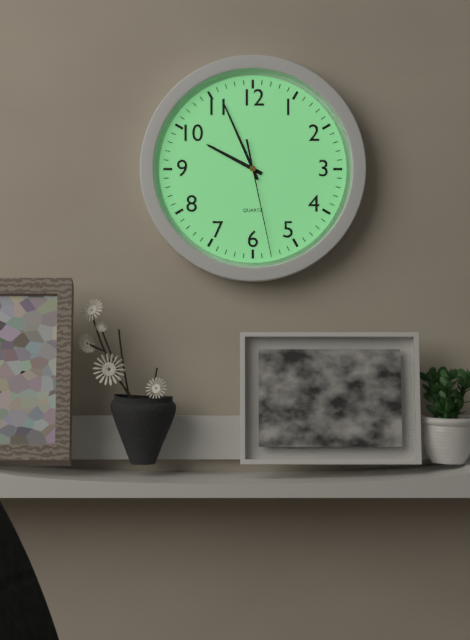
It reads 9:56:28
